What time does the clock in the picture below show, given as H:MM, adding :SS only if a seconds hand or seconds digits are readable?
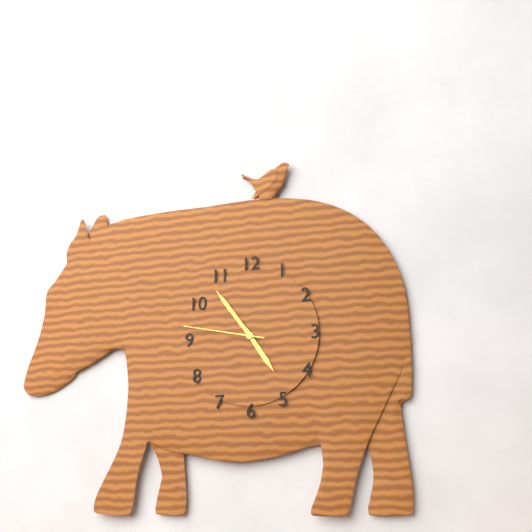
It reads 4:54:47
